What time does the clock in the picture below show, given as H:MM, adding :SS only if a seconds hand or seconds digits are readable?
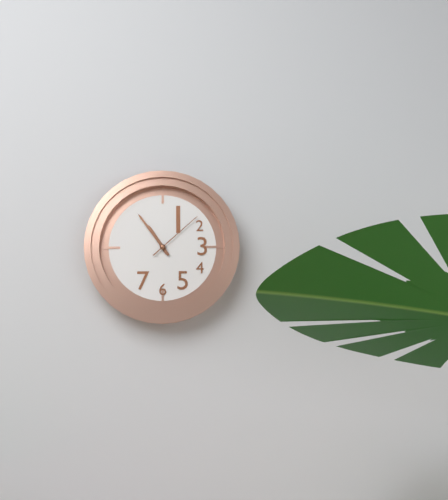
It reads 10:54:08
